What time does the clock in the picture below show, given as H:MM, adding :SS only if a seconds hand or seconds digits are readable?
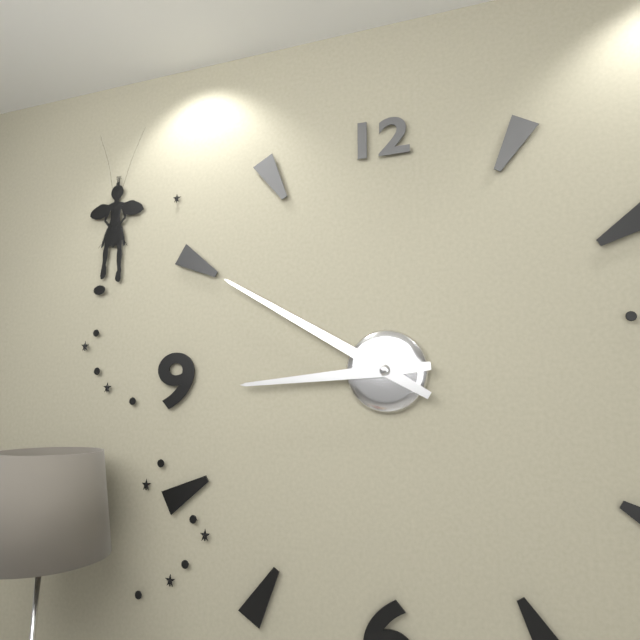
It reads 8:50
